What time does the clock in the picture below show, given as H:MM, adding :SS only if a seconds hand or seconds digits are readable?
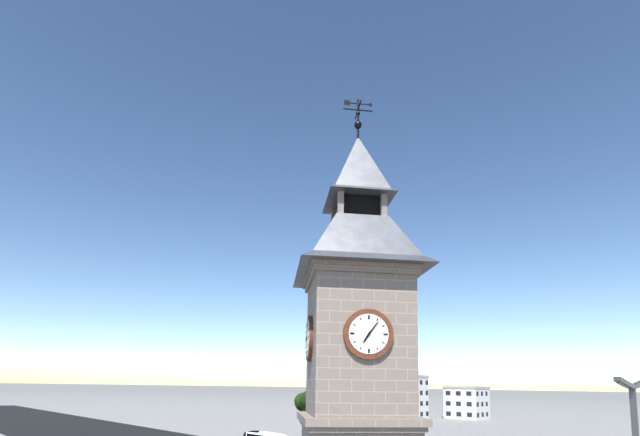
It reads 7:06
